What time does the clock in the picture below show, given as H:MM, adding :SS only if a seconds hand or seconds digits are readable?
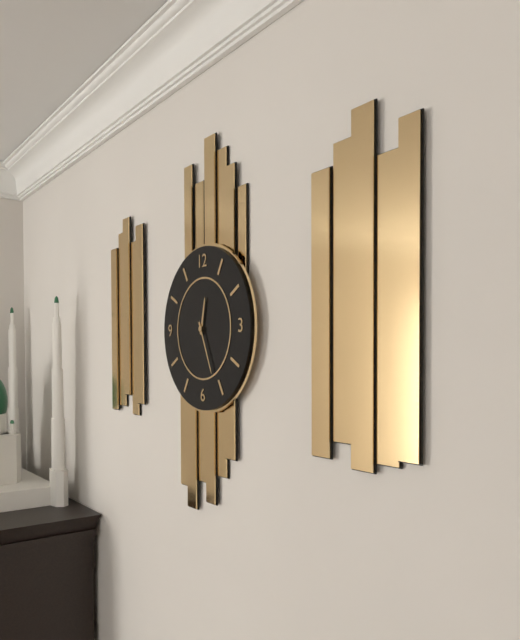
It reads 12:26
